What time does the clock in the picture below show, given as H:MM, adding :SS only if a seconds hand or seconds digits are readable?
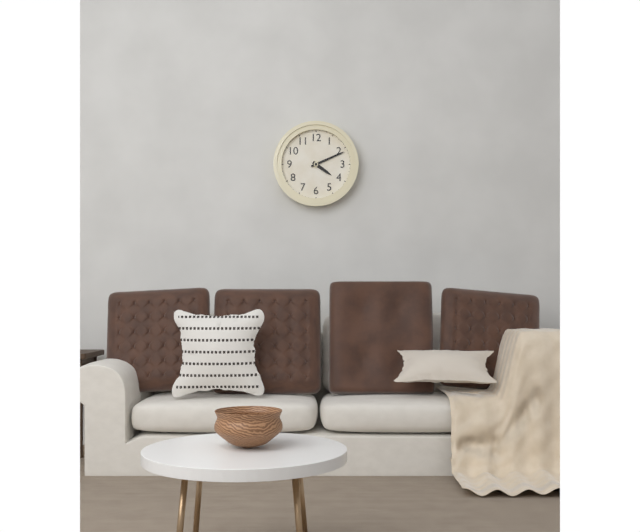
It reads 4:11
